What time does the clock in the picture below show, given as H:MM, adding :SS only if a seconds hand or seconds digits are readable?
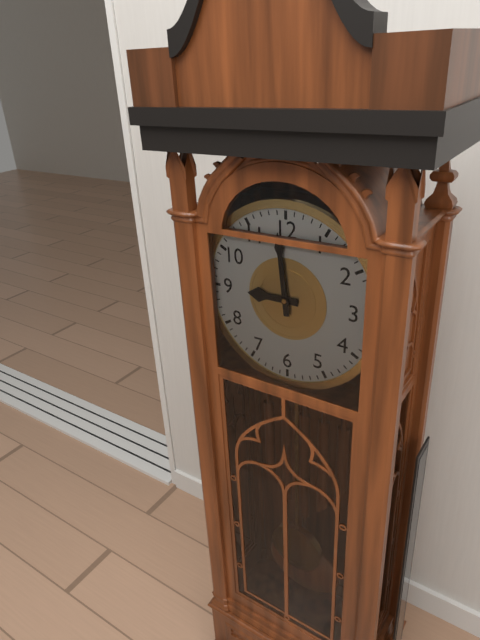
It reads 8:59
